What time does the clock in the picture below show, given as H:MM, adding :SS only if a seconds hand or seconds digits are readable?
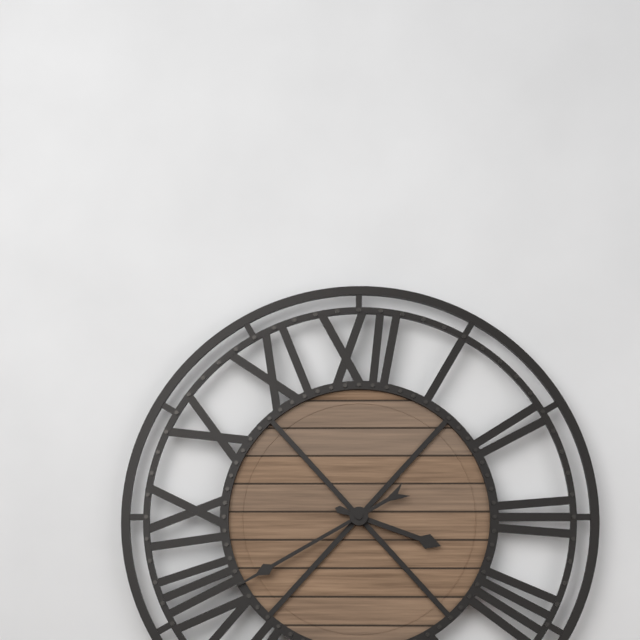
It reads 3:40
